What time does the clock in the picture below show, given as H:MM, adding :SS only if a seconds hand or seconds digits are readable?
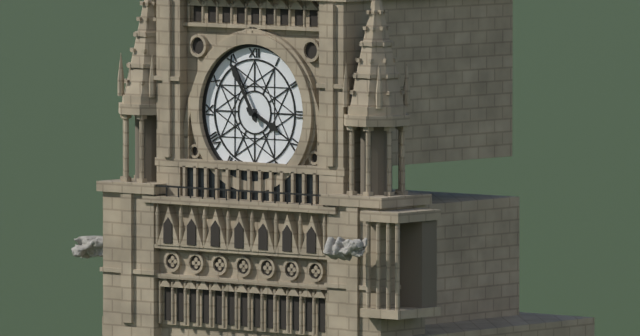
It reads 3:55
